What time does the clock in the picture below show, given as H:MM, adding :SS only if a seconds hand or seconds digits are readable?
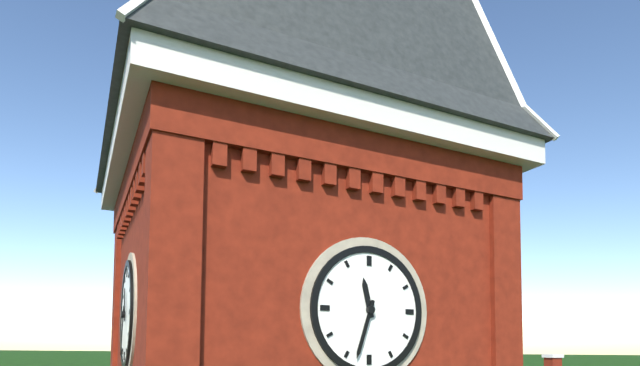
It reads 11:33
